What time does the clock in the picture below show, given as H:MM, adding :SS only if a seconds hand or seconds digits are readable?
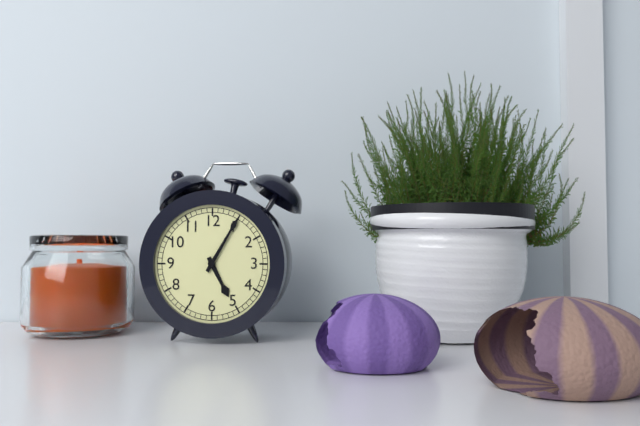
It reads 5:05
